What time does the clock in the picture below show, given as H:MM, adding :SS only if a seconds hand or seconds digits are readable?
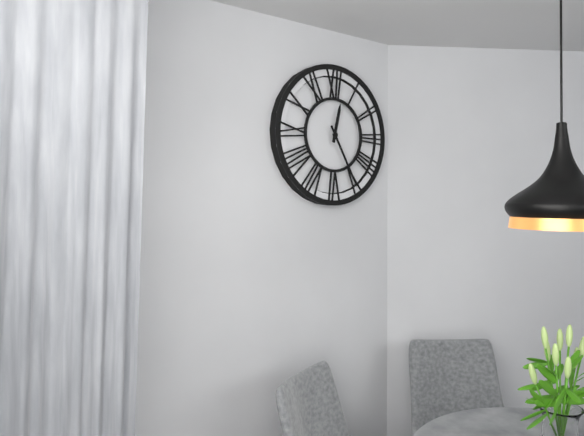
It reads 12:25
